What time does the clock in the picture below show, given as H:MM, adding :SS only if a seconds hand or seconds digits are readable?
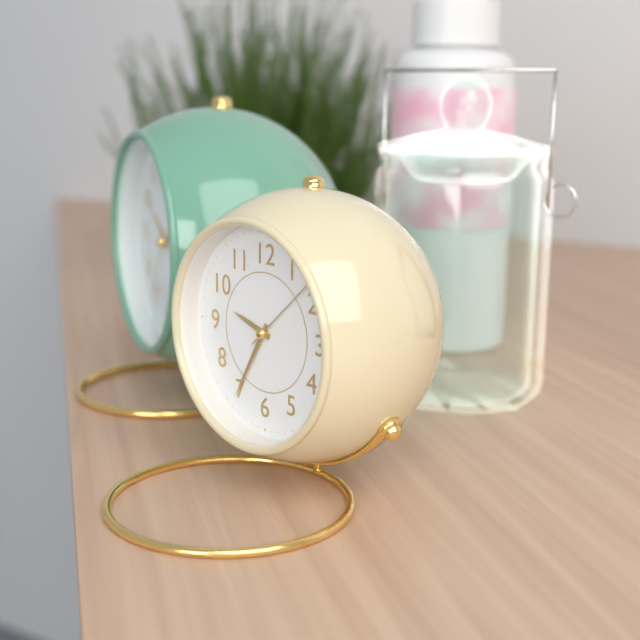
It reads 9:35:08
